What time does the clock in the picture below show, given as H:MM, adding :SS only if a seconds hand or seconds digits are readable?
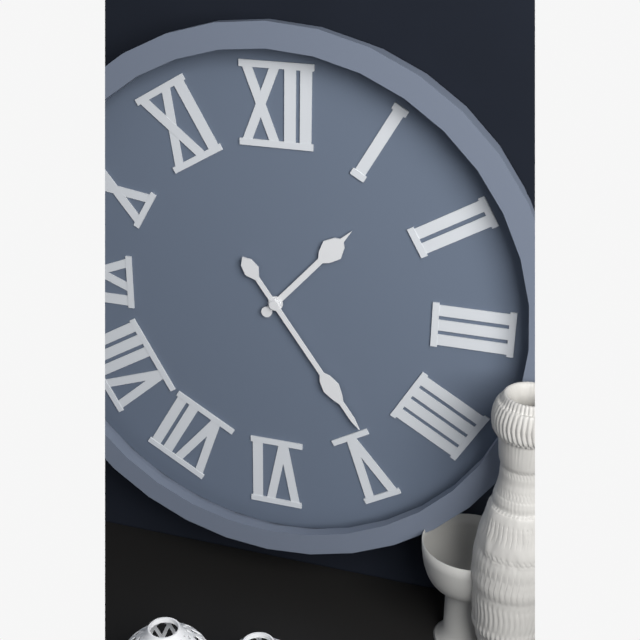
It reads 1:24
